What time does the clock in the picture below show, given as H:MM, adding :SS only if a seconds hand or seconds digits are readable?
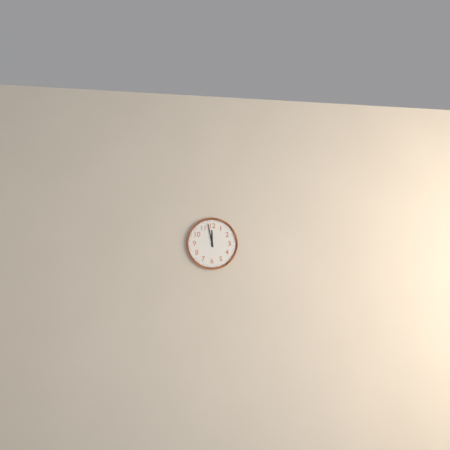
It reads 11:58
